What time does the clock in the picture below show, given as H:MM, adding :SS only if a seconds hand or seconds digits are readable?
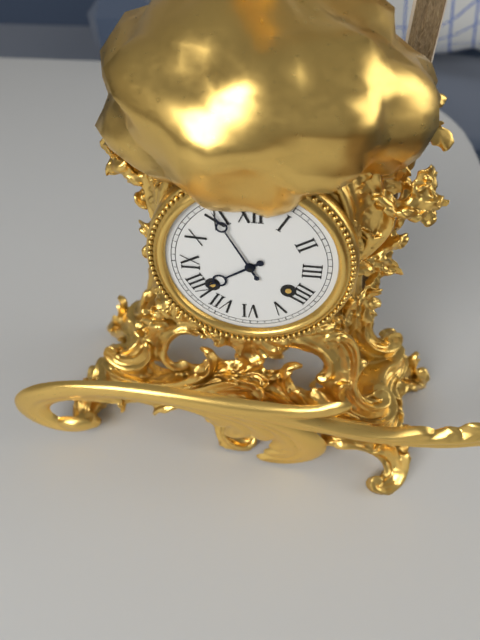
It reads 7:55
